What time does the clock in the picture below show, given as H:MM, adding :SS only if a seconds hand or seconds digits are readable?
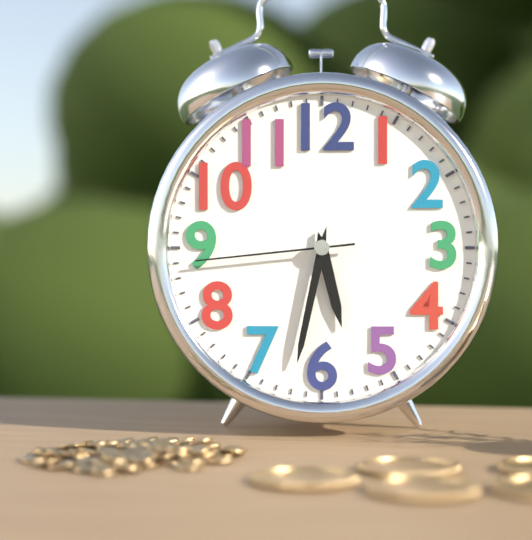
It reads 5:32:44
